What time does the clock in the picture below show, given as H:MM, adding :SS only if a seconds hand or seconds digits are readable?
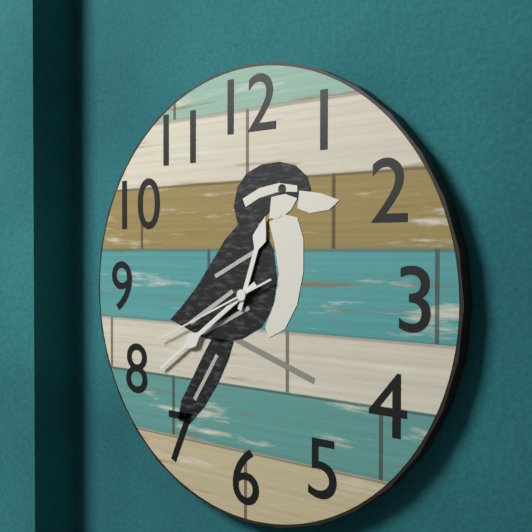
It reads 12:39:41
